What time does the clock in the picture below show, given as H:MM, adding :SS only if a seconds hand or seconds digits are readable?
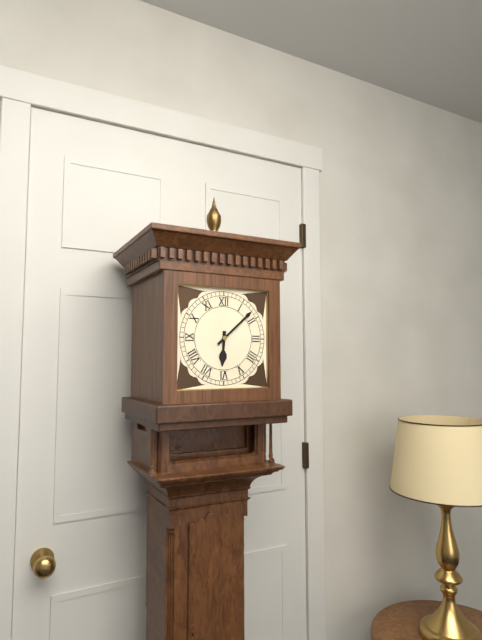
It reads 6:08
